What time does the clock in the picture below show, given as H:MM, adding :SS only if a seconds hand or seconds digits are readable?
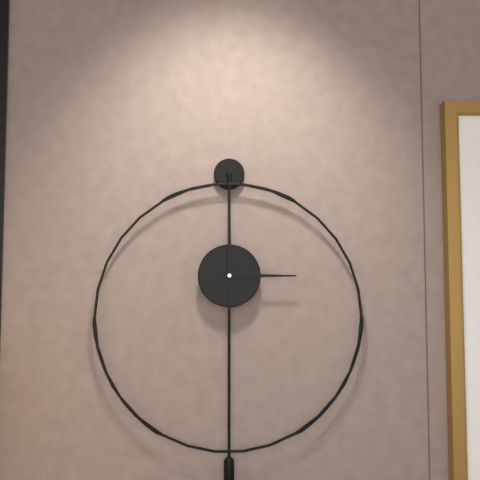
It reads 3:00
